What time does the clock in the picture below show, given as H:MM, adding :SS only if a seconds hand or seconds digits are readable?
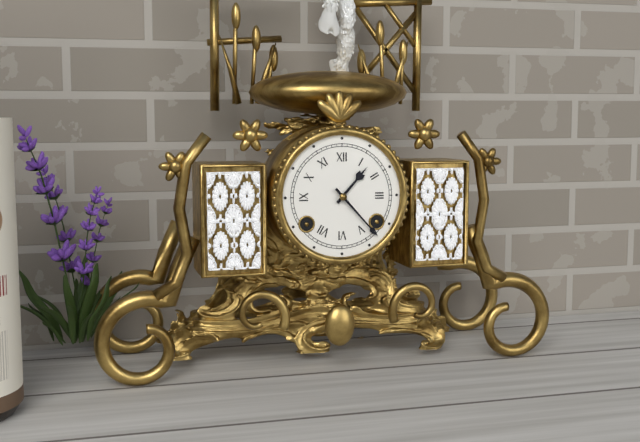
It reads 1:23
